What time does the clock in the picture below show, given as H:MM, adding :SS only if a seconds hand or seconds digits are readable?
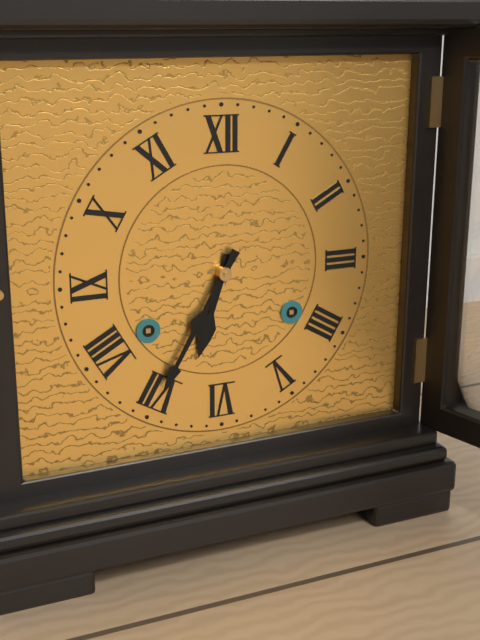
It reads 6:35
